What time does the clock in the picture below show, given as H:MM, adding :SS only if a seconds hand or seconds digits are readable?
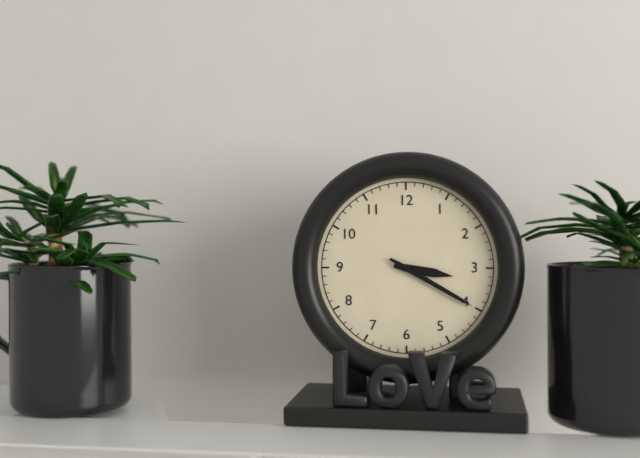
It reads 3:20
